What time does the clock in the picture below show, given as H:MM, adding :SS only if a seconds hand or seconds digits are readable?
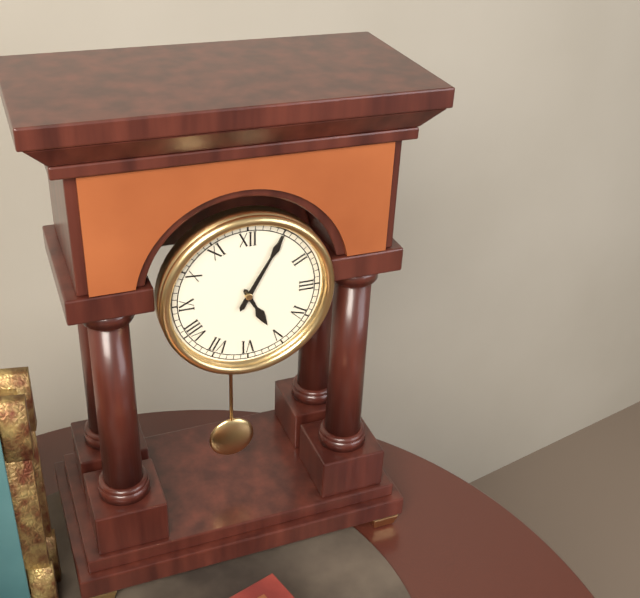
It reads 5:05
